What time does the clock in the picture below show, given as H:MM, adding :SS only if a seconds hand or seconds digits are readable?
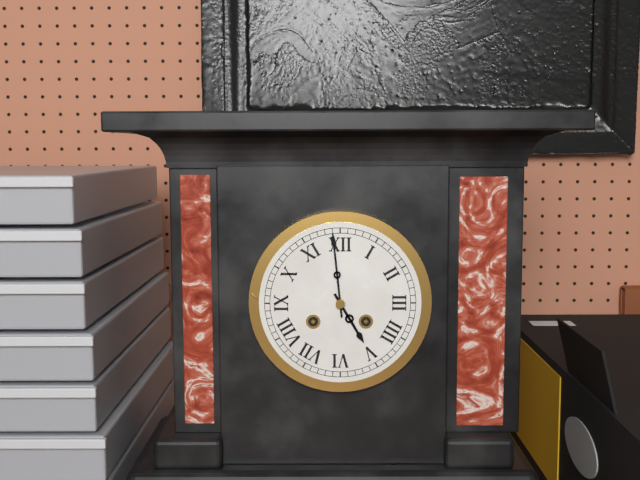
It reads 4:59
